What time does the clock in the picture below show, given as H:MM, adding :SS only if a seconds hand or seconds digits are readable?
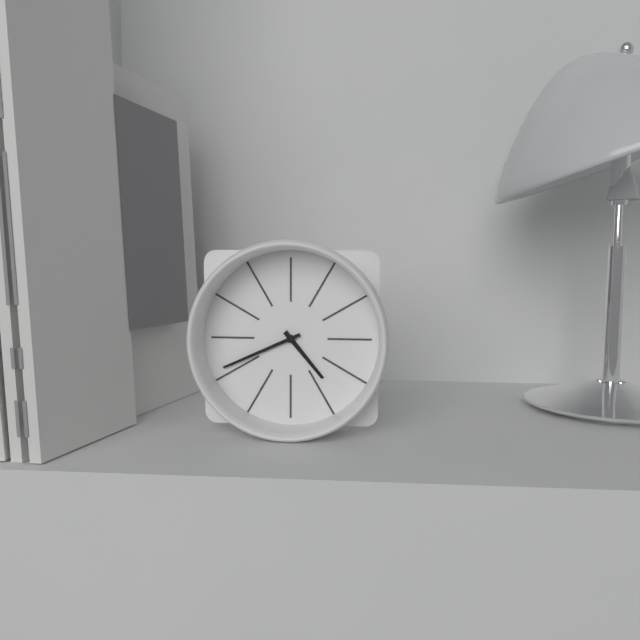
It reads 4:41
